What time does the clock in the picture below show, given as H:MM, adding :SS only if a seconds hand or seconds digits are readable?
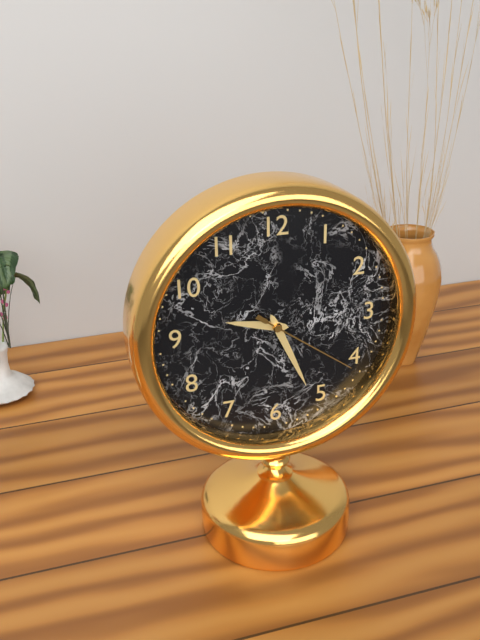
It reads 9:26:21
